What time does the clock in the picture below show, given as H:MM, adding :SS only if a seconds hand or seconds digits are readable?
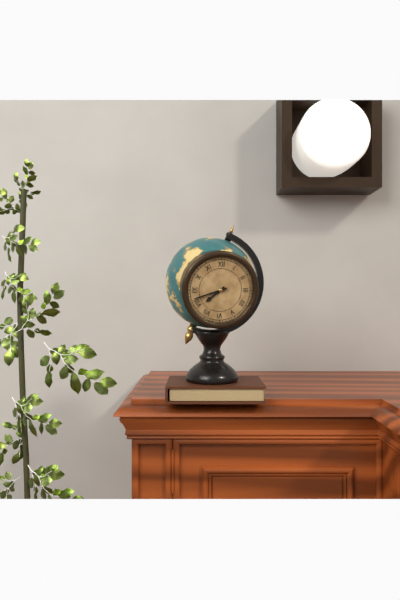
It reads 7:42
